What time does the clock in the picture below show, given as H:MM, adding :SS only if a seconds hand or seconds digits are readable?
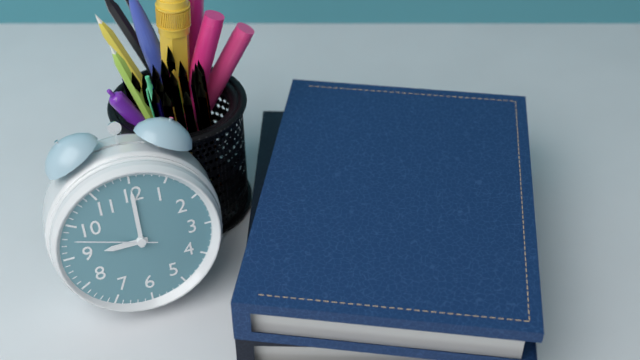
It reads 9:00:48
